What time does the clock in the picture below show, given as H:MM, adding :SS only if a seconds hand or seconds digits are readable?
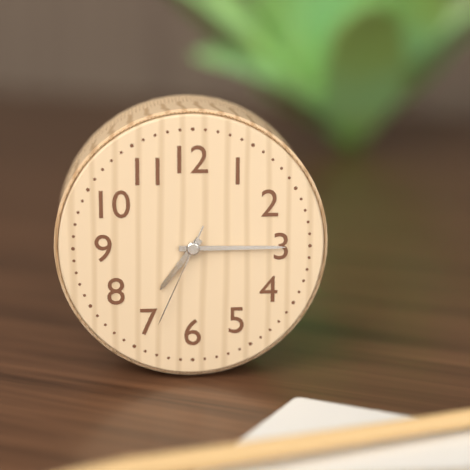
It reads 7:15:34
